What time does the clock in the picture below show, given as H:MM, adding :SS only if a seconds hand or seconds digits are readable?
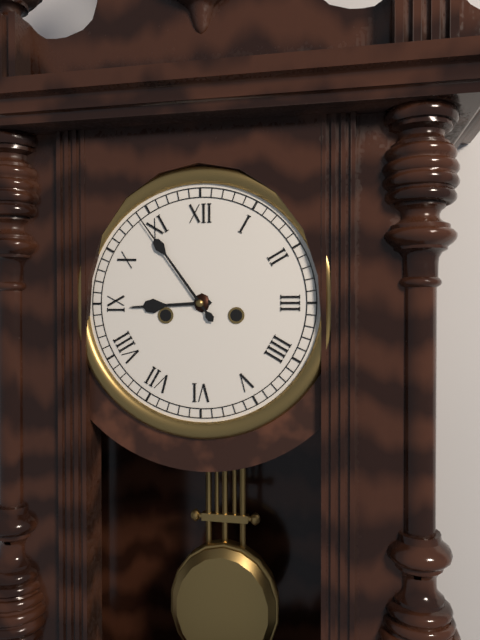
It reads 8:54
